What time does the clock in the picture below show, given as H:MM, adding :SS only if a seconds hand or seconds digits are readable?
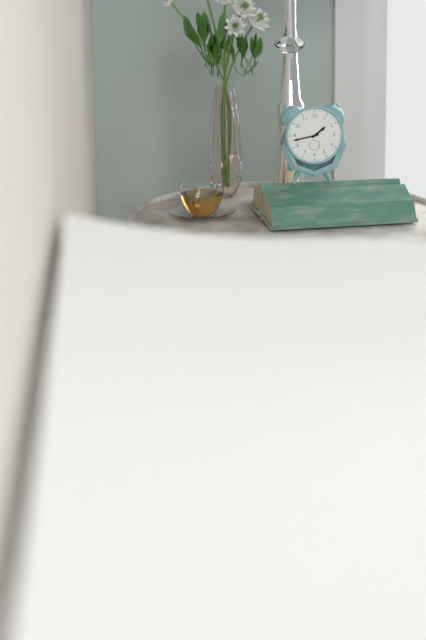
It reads 1:43
